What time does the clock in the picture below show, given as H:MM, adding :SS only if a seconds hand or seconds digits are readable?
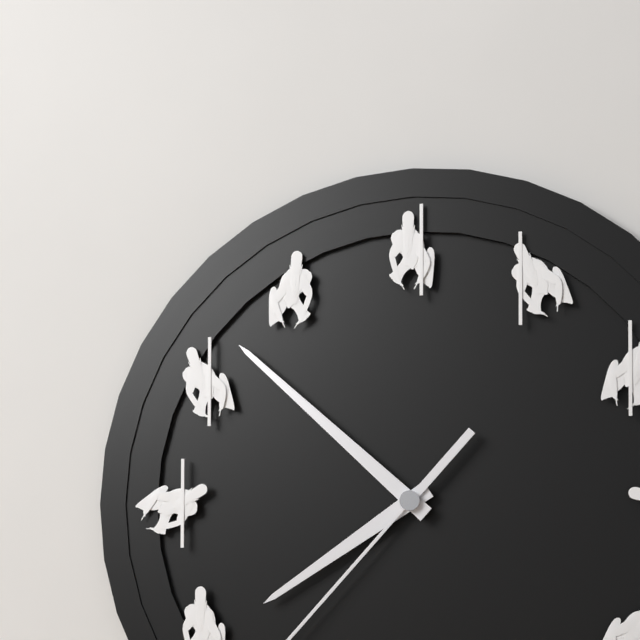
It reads 7:52
